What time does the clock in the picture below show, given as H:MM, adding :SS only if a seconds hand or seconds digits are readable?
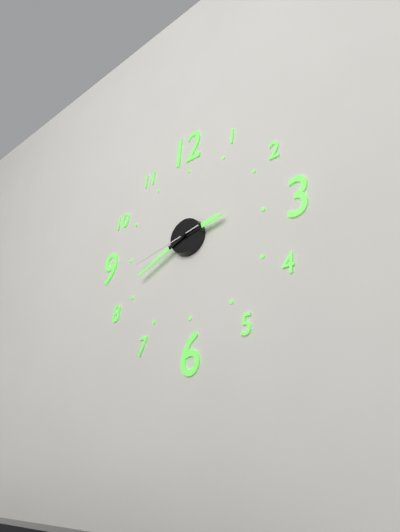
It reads 2:41:43
